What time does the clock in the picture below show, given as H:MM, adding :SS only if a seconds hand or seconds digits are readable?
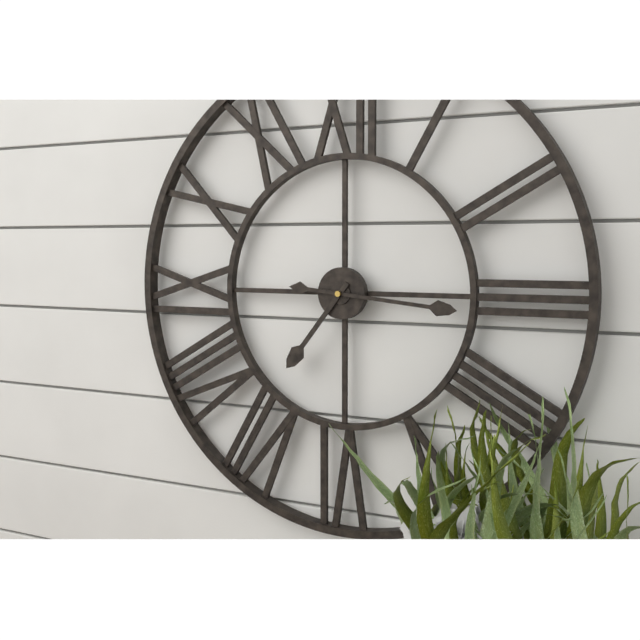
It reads 7:16
